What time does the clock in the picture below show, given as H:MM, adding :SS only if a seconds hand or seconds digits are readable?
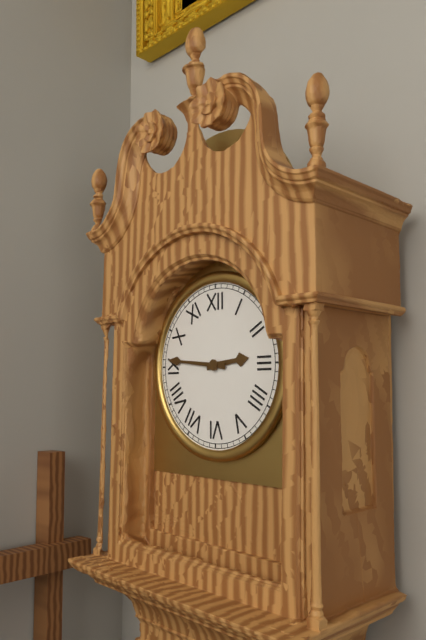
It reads 2:46
